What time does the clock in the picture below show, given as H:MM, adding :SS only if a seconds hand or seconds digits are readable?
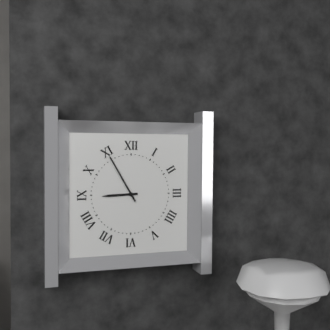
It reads 8:55
